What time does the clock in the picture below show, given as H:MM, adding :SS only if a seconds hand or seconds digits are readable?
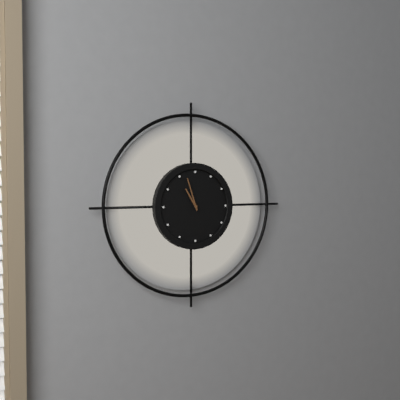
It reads 10:57
